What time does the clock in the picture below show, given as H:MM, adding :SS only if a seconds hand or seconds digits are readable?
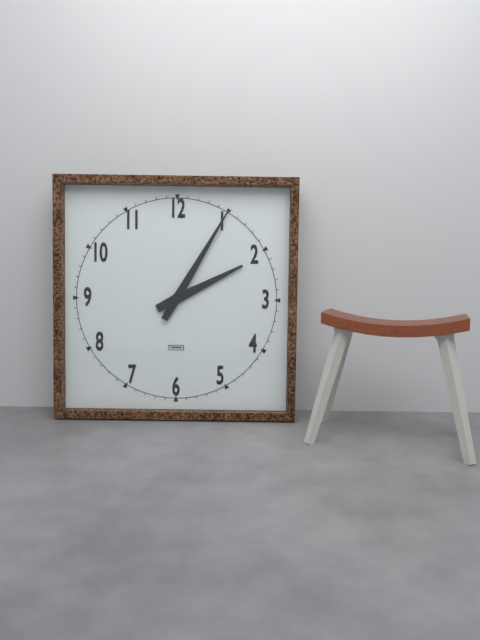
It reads 2:05
